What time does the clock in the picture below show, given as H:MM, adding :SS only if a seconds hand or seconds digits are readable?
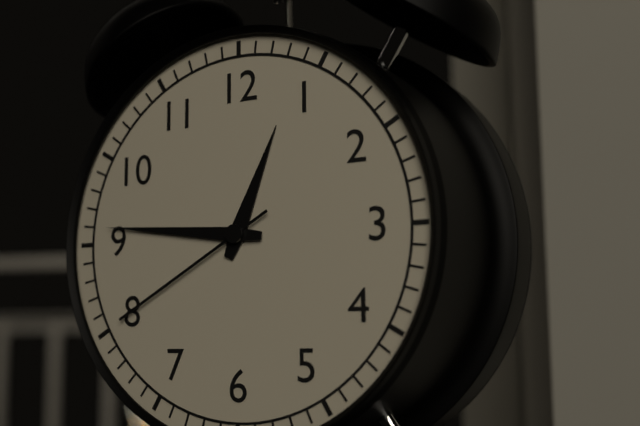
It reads 12:46:40
